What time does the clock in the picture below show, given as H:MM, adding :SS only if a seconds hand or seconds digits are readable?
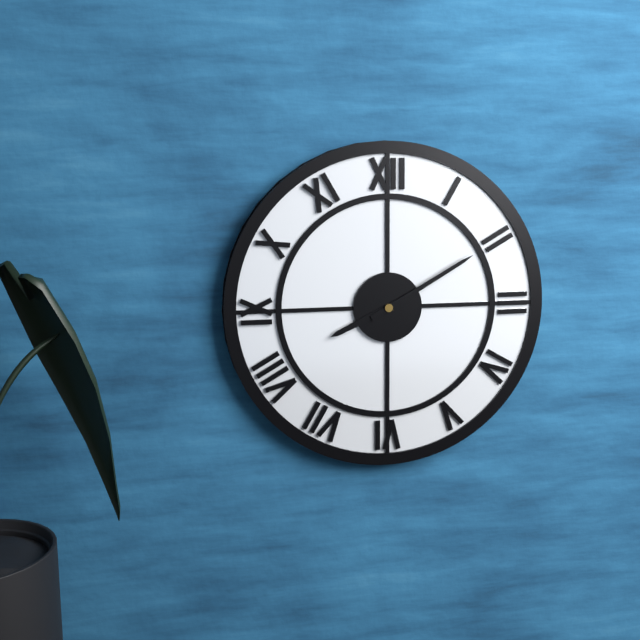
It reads 8:10
